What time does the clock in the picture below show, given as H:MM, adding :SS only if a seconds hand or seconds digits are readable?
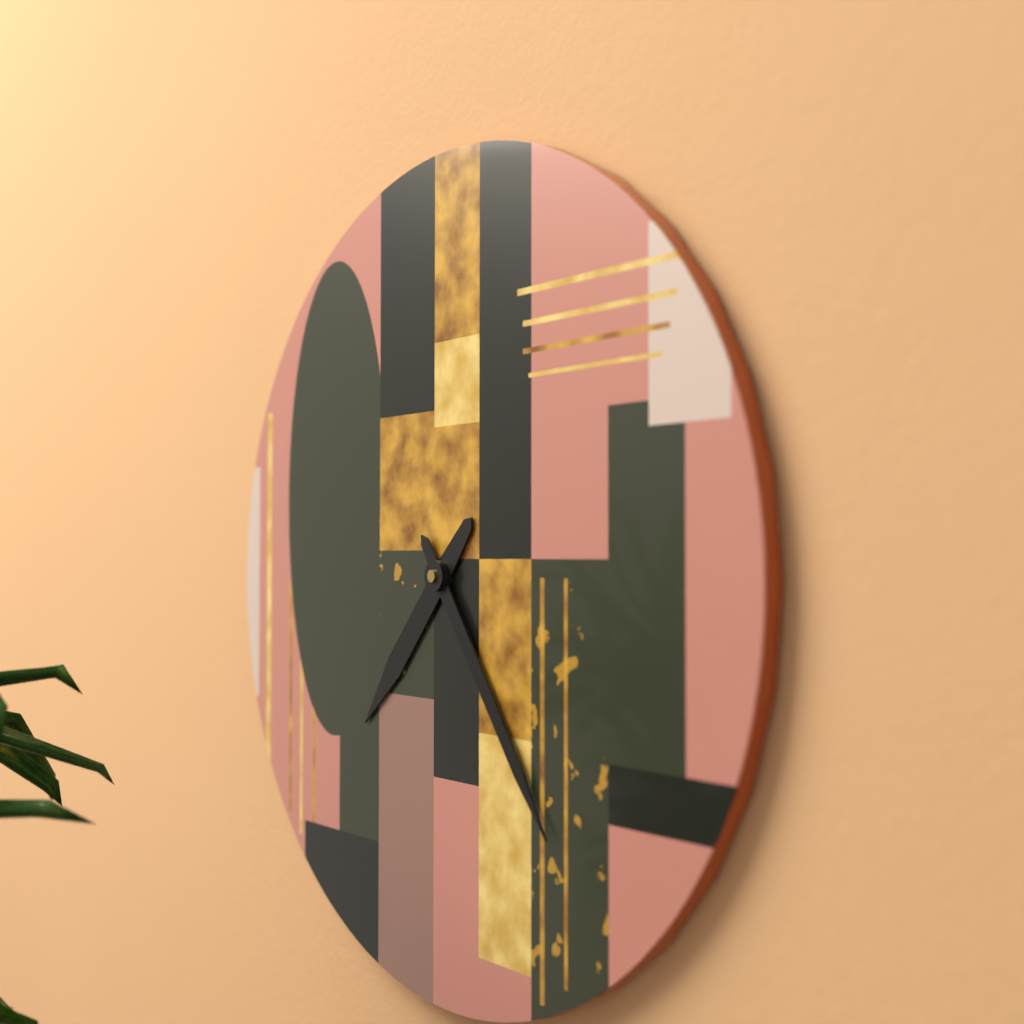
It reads 7:24
